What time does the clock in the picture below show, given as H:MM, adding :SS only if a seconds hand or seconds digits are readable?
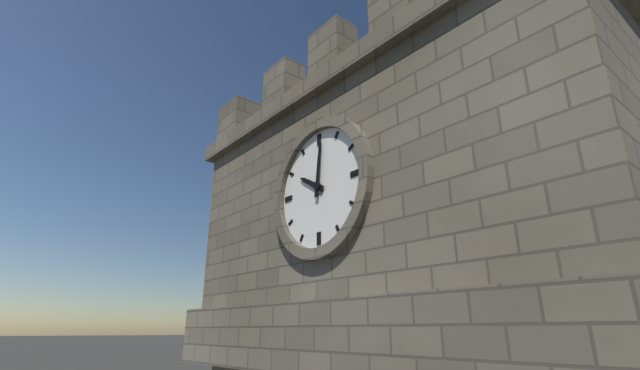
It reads 10:01
